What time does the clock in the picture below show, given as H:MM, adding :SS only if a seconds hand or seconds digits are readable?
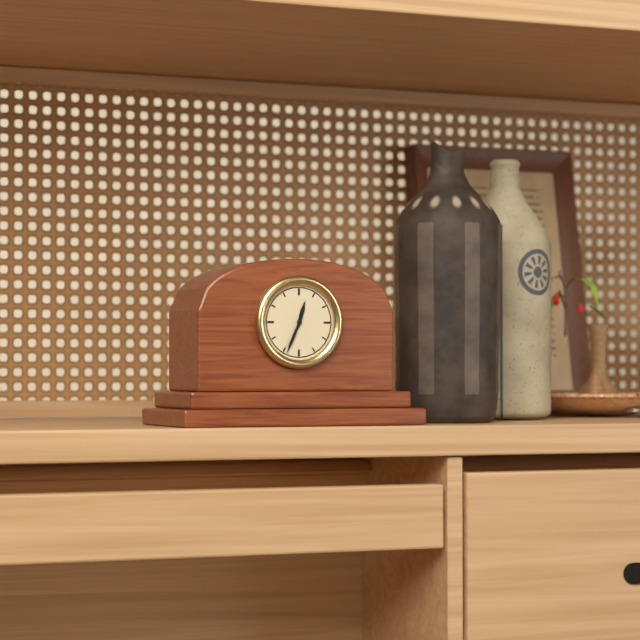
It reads 12:34
